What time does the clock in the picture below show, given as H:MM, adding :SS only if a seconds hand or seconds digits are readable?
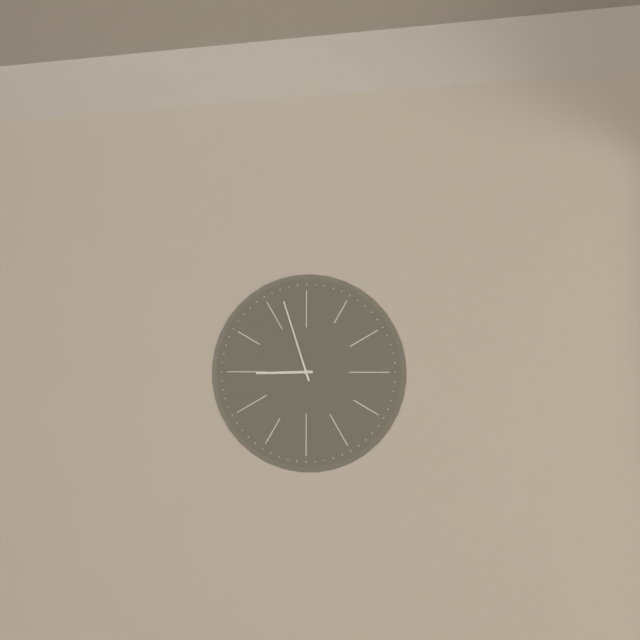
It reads 8:57
